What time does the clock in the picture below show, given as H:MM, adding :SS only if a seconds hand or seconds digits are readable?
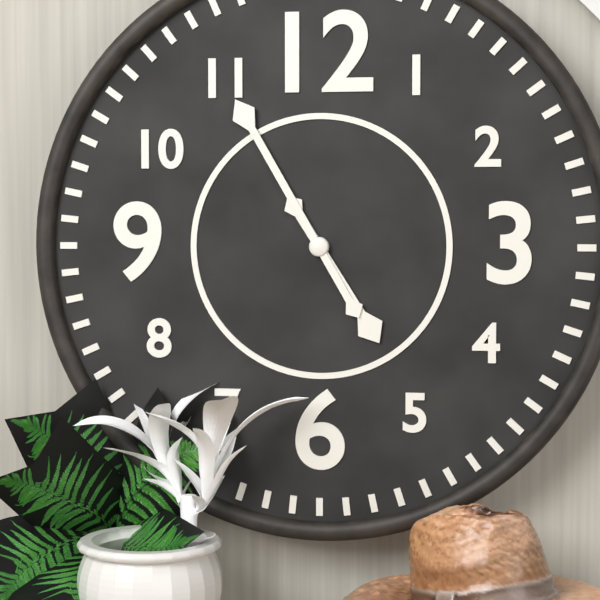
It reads 4:55
